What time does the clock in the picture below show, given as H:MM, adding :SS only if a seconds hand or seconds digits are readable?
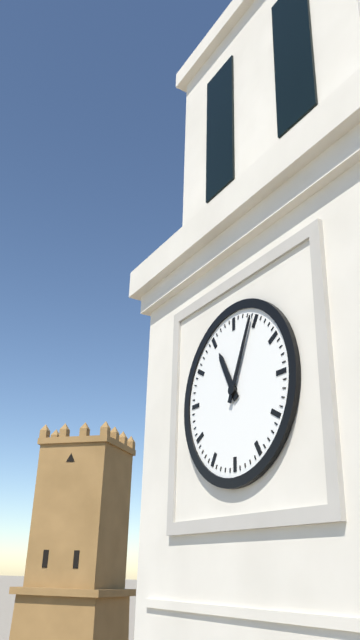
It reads 11:04
